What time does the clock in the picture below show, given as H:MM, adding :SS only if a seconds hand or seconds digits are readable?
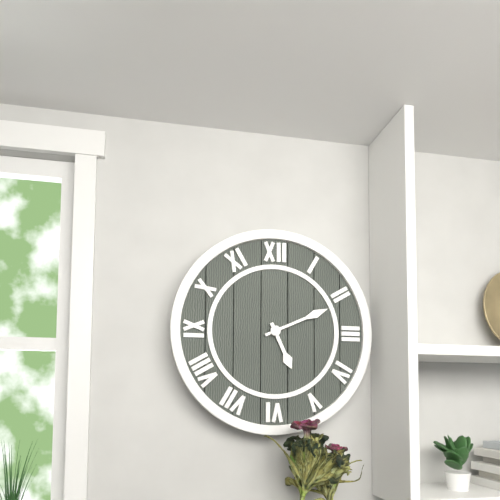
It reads 5:11
